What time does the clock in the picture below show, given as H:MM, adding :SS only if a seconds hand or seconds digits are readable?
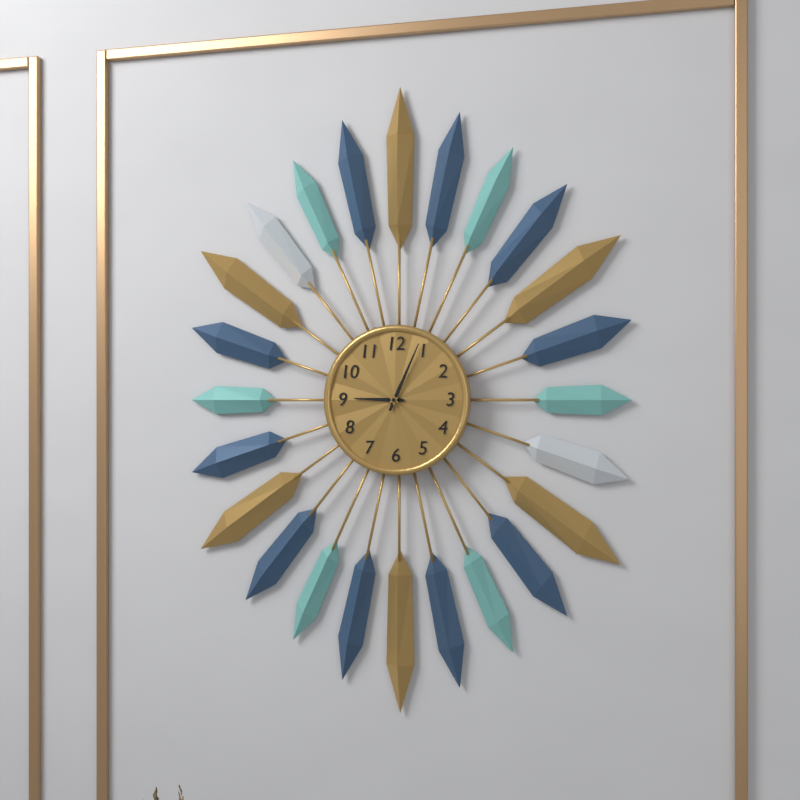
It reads 9:04
